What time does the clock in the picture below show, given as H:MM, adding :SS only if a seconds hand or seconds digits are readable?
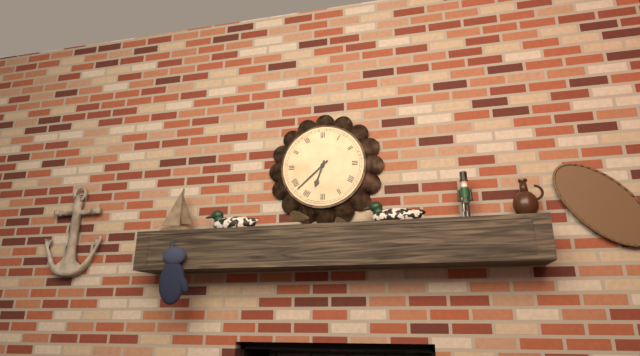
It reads 6:38
